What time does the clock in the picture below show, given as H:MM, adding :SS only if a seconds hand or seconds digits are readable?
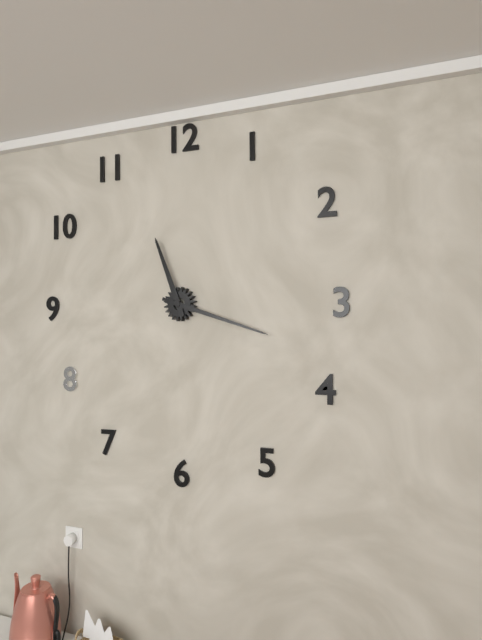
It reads 11:18
